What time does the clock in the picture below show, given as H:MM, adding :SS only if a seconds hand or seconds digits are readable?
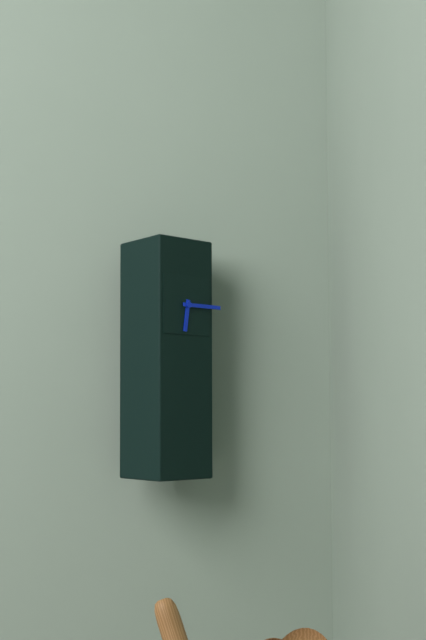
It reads 6:15
